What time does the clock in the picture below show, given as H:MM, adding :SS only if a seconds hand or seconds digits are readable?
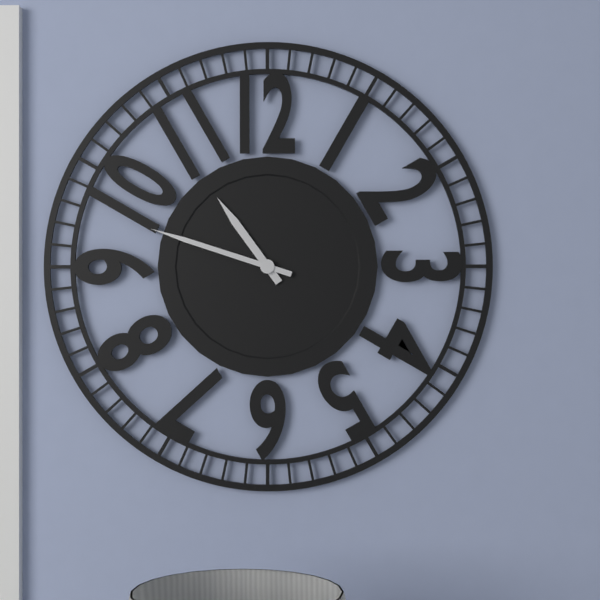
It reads 10:48
